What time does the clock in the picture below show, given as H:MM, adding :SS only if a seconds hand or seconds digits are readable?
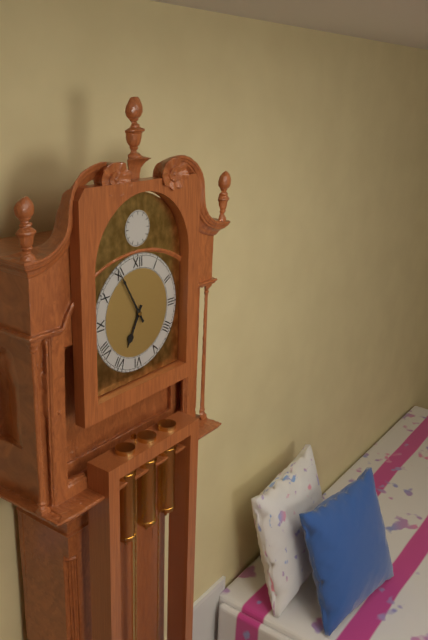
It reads 6:55
